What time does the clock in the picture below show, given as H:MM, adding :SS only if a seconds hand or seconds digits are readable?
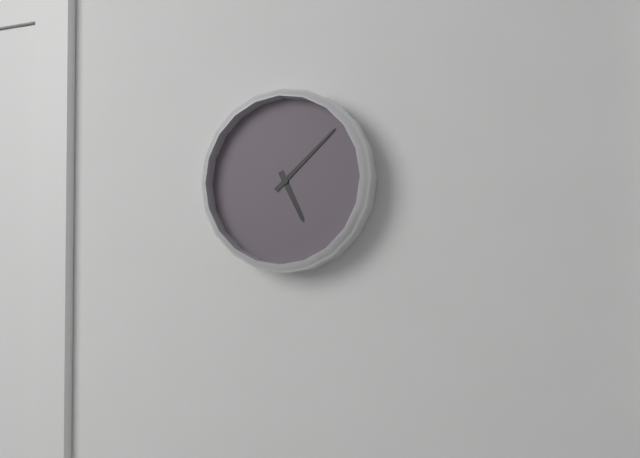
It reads 5:08
